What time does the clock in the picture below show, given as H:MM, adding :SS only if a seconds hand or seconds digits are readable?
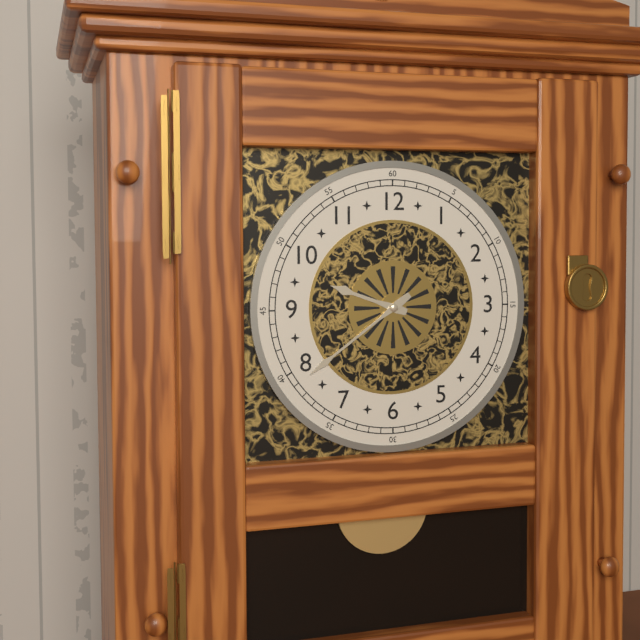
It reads 9:39
